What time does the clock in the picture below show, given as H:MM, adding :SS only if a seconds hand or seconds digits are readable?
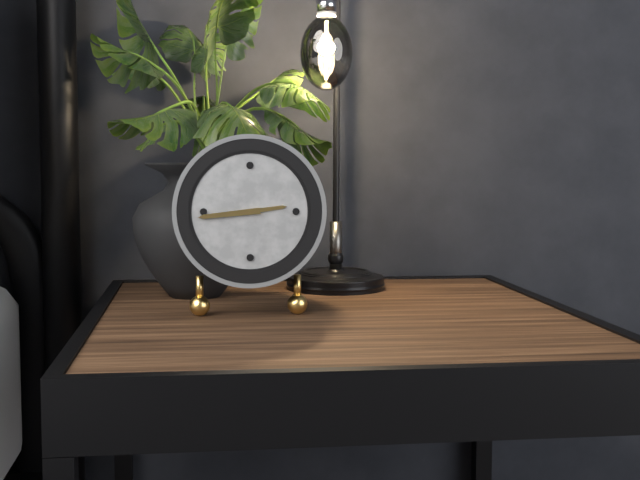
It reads 2:44
